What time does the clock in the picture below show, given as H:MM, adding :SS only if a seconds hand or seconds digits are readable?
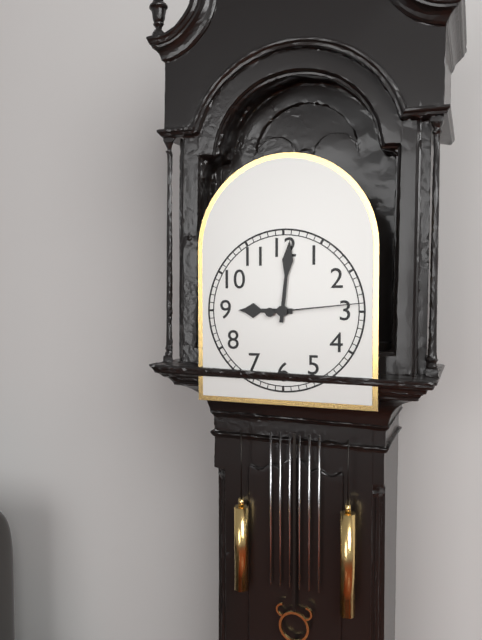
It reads 9:01:14
